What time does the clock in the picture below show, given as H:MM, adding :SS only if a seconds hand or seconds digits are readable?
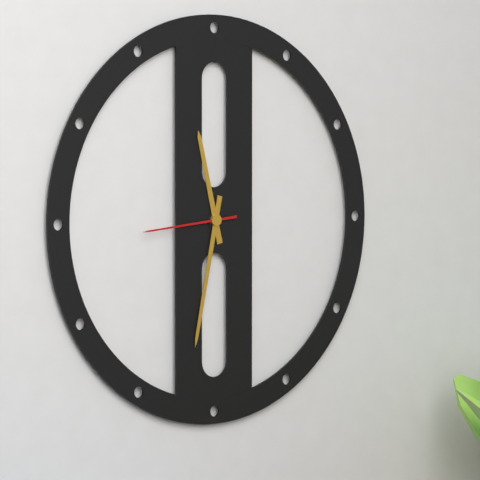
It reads 11:32:44
